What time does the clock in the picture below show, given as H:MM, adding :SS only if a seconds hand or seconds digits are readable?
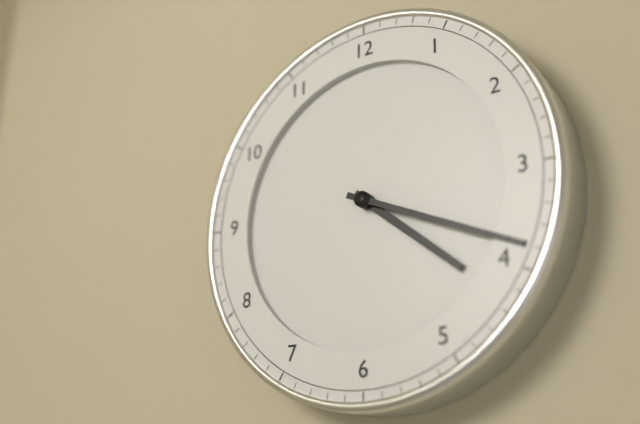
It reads 4:19
